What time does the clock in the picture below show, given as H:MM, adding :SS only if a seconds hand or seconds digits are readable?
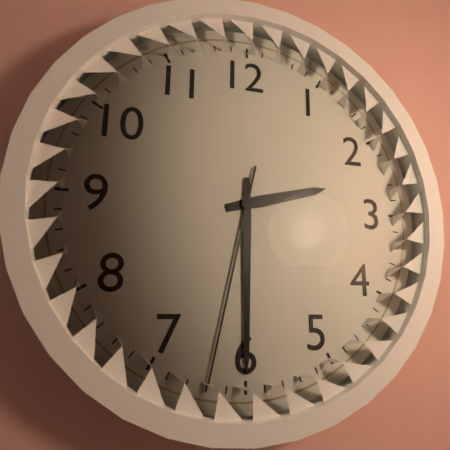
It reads 2:30:32
